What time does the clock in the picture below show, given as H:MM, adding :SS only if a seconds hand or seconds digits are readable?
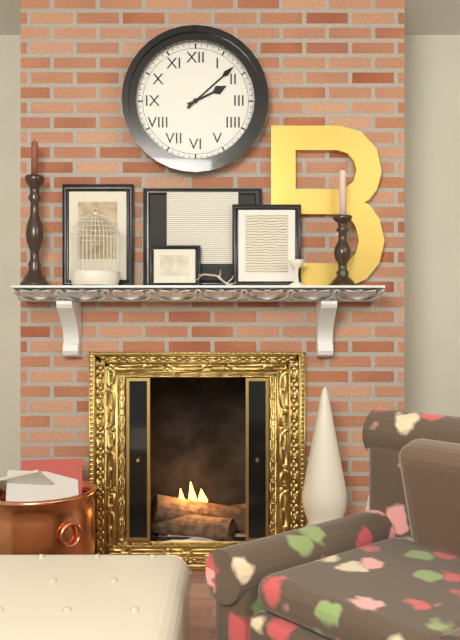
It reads 2:08
